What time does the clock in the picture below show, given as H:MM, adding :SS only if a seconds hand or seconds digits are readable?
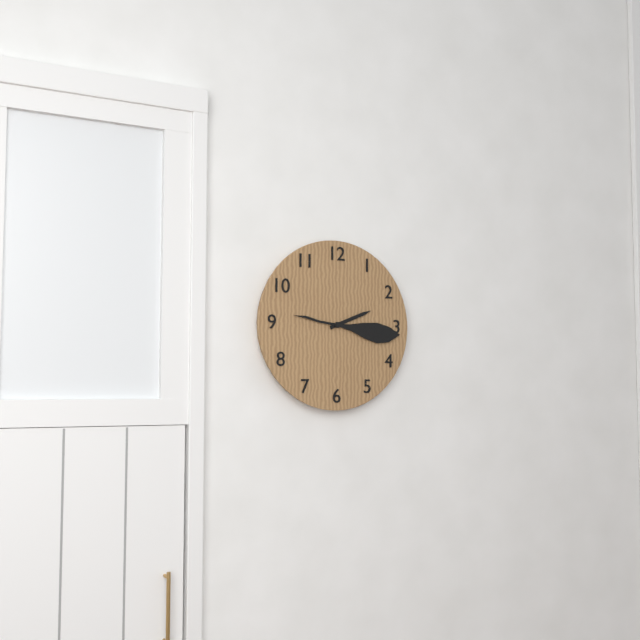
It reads 2:16
